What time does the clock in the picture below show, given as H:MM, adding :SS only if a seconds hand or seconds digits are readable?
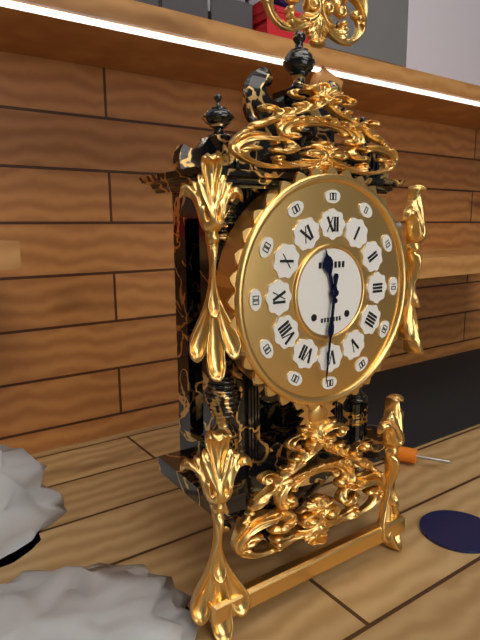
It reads 11:31
